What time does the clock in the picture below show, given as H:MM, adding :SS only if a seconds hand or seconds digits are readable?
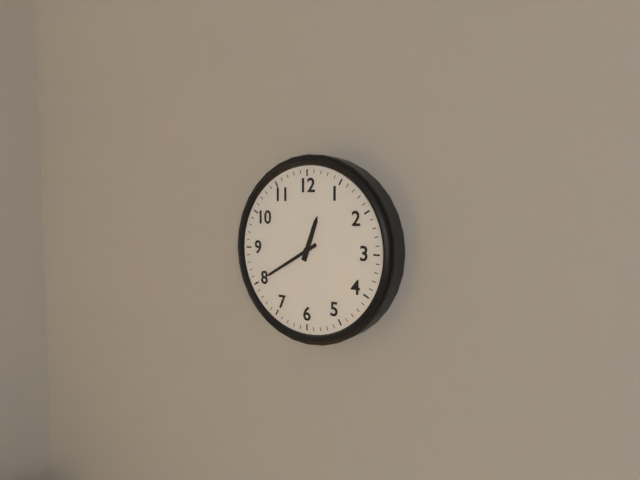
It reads 12:40
